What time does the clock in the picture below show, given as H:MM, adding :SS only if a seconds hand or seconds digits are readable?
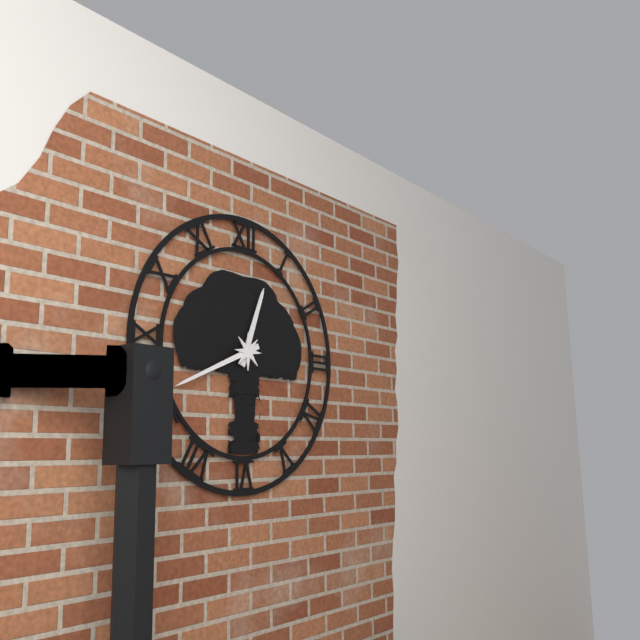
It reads 12:41
